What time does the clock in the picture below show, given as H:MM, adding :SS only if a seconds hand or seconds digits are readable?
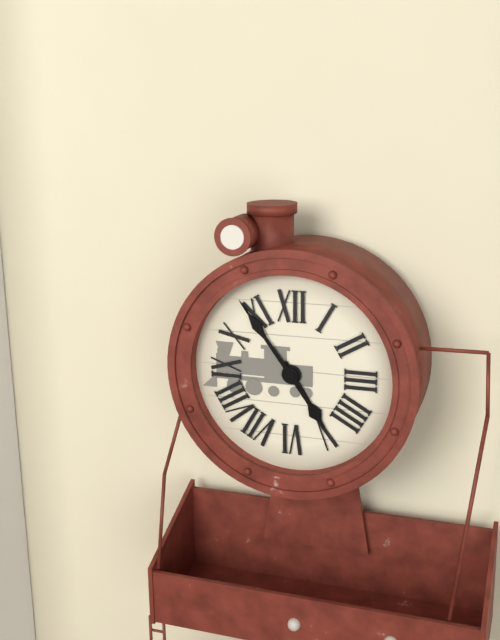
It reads 4:54
